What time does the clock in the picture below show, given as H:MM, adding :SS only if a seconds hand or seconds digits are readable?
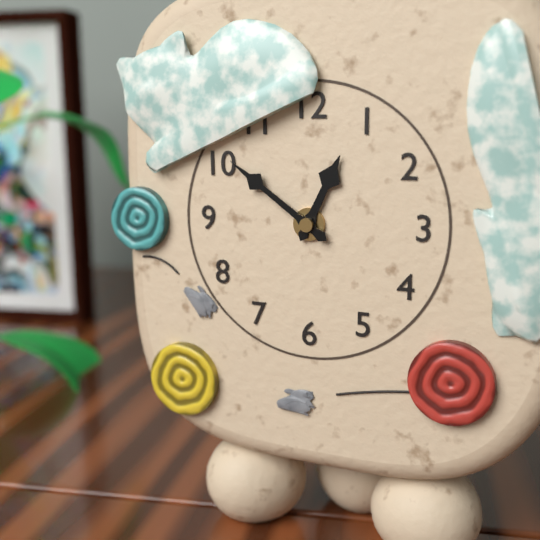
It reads 12:51
